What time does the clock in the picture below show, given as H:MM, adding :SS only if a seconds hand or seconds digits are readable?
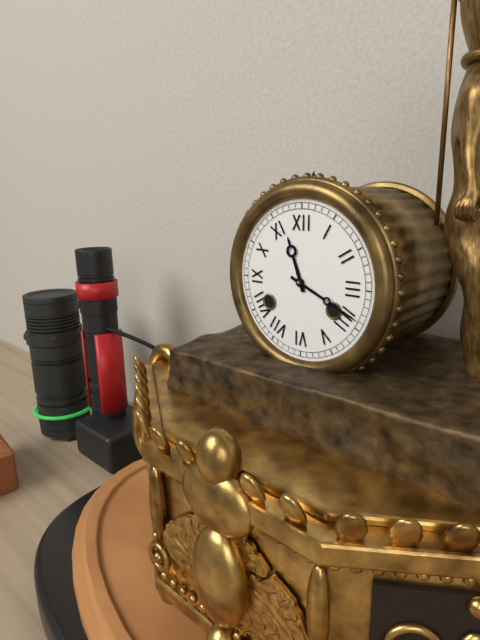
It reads 11:19
